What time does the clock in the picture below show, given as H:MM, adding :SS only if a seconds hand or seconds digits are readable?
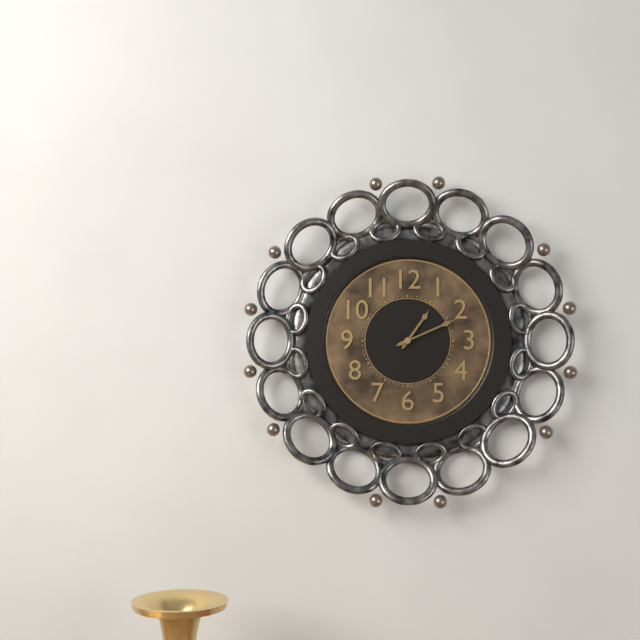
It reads 1:11
